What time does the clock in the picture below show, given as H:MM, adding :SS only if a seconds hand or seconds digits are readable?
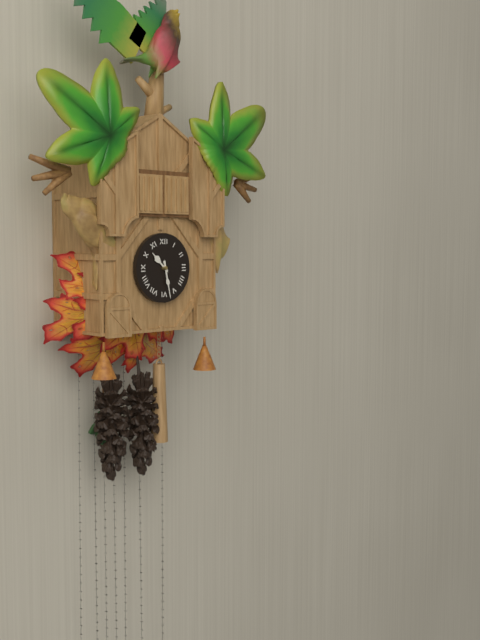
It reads 10:28
